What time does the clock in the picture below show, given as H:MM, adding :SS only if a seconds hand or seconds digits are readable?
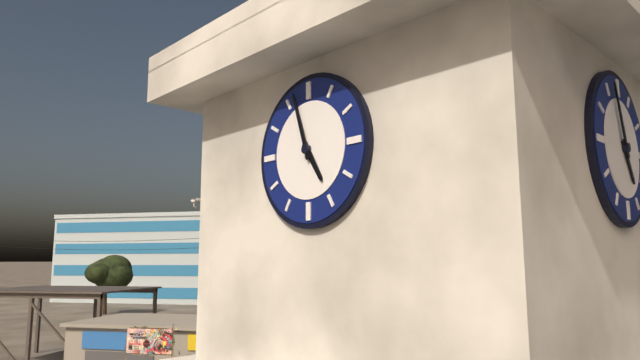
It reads 4:57
